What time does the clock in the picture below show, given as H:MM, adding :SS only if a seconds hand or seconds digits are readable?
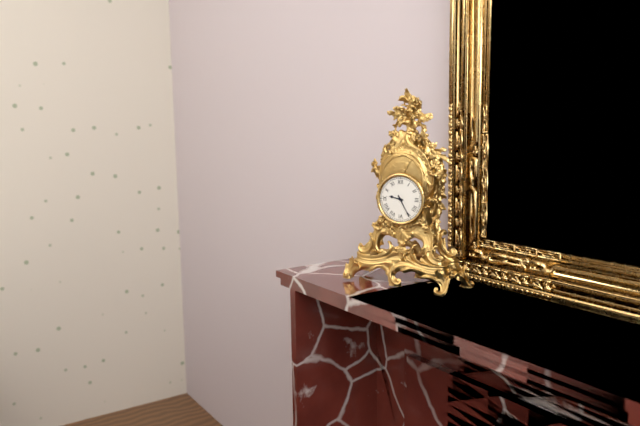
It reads 9:25
